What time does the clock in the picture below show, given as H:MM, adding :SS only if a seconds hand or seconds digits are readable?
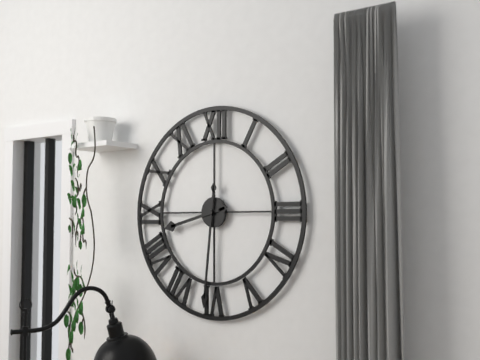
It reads 8:31
